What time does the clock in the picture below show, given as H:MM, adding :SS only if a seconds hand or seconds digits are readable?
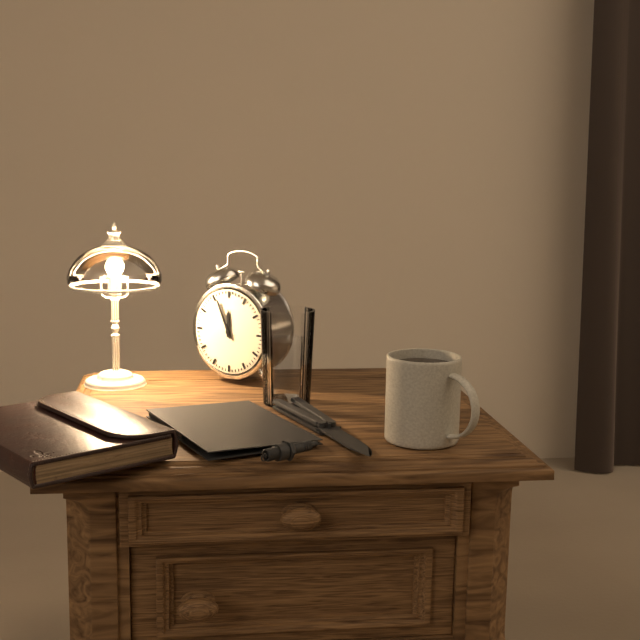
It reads 11:56
